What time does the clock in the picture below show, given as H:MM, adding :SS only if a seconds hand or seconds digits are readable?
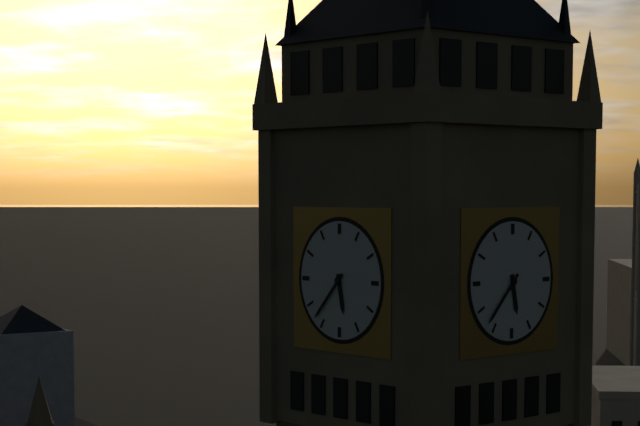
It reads 5:37
